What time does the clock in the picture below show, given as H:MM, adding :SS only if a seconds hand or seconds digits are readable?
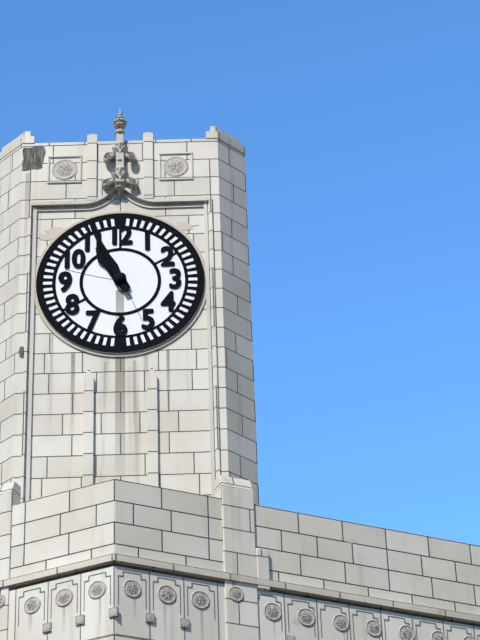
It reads 10:56
